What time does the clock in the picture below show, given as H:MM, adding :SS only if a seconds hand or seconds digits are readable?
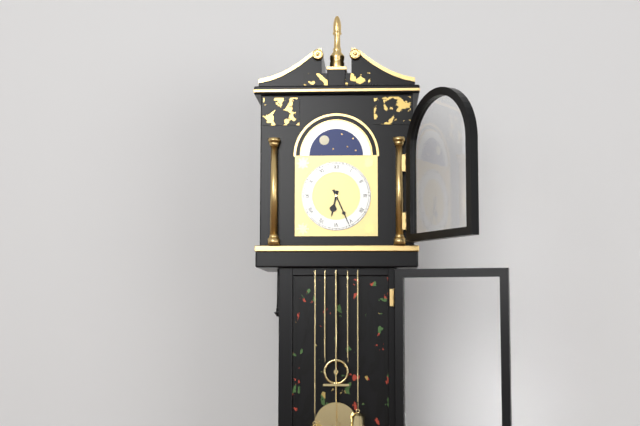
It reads 6:26
